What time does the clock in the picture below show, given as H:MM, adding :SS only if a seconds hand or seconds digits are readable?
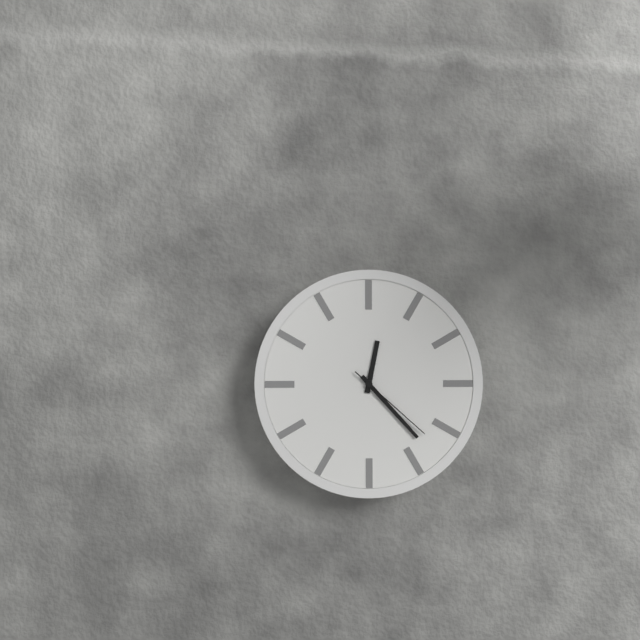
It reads 12:23:22
